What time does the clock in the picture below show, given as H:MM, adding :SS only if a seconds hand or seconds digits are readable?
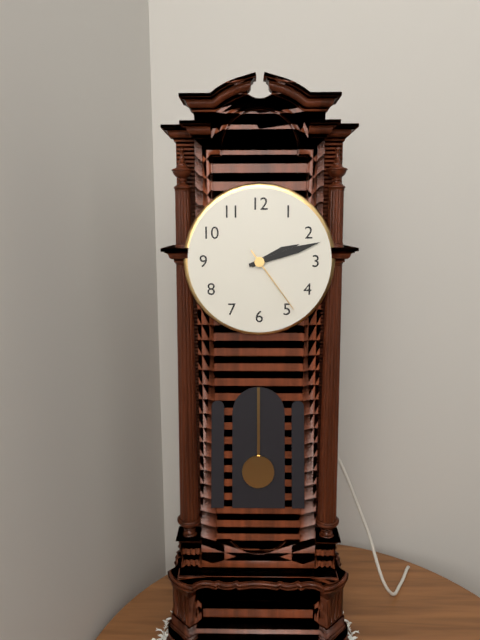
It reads 2:12:24
